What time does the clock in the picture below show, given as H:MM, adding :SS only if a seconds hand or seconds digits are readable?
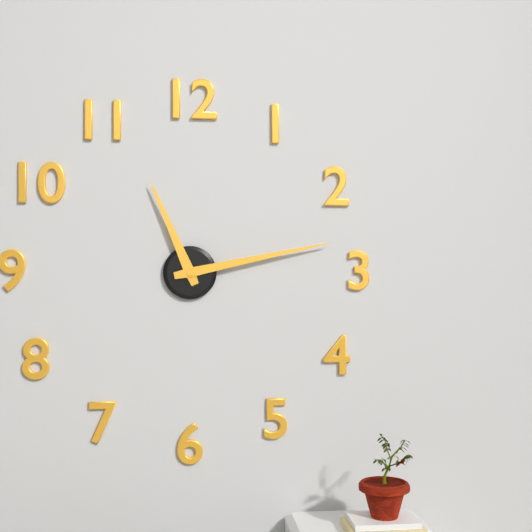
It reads 11:13
